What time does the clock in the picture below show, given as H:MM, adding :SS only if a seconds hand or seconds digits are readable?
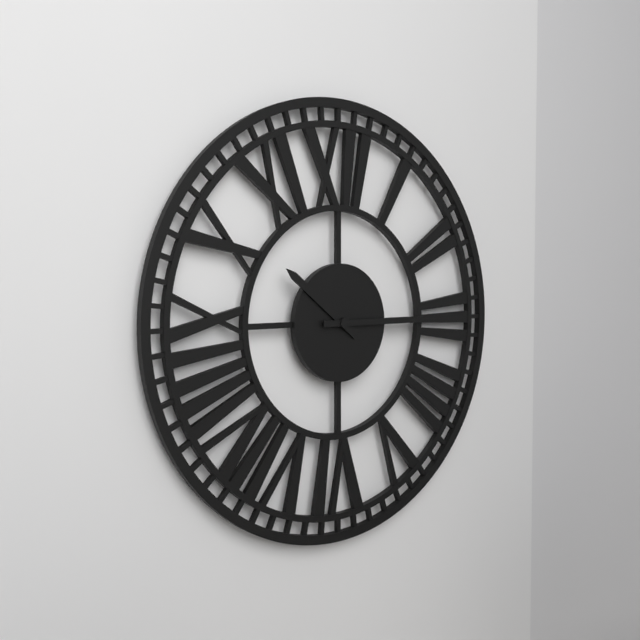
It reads 10:15
